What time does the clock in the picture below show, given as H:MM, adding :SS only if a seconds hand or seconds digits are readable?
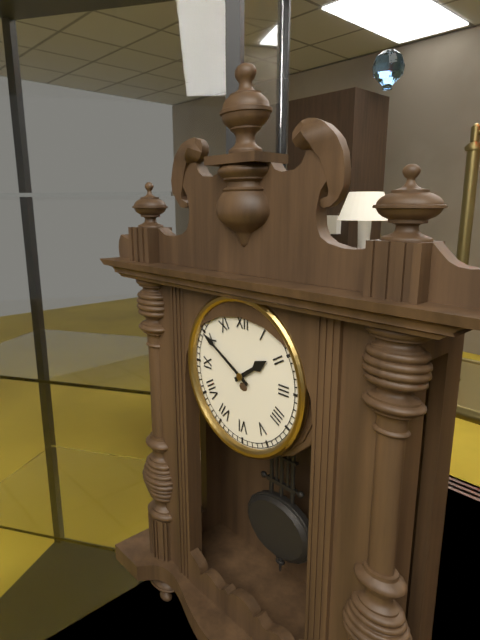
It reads 1:50
